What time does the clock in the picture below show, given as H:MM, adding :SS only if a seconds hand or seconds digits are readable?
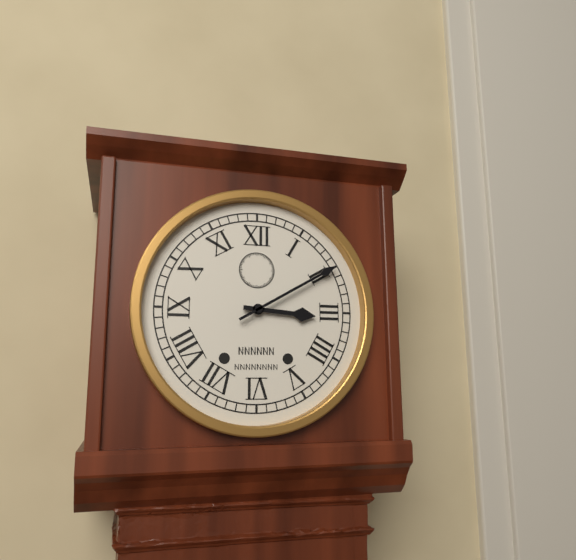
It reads 3:10
